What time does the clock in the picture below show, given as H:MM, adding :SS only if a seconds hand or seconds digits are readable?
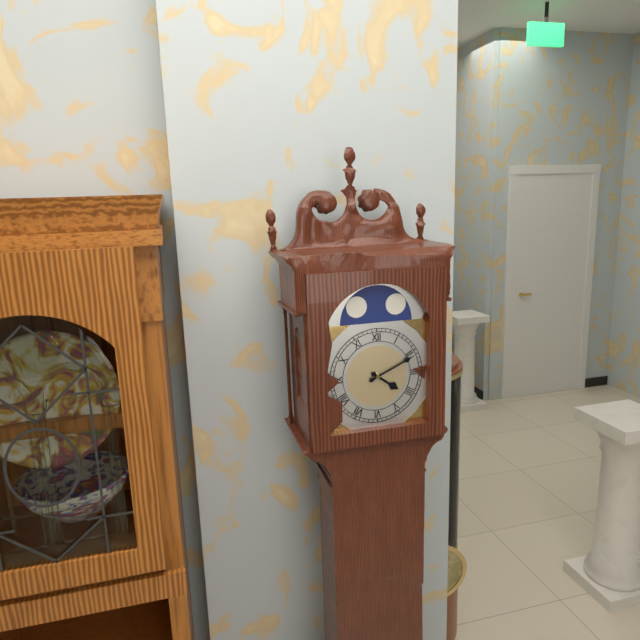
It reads 4:11
